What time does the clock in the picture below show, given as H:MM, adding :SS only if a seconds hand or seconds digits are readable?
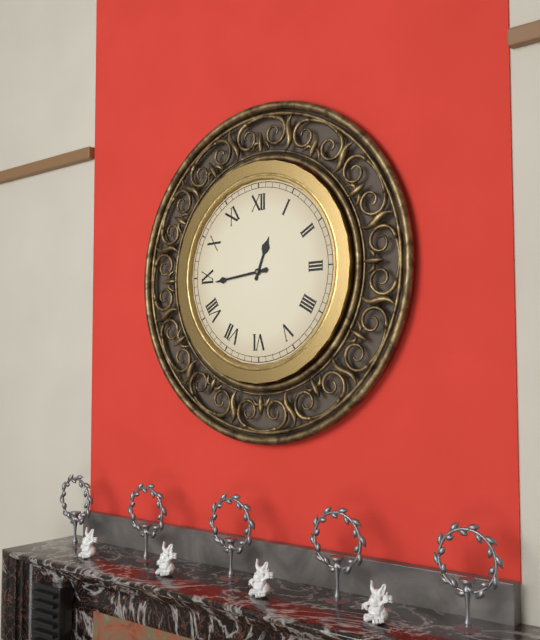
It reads 12:44
